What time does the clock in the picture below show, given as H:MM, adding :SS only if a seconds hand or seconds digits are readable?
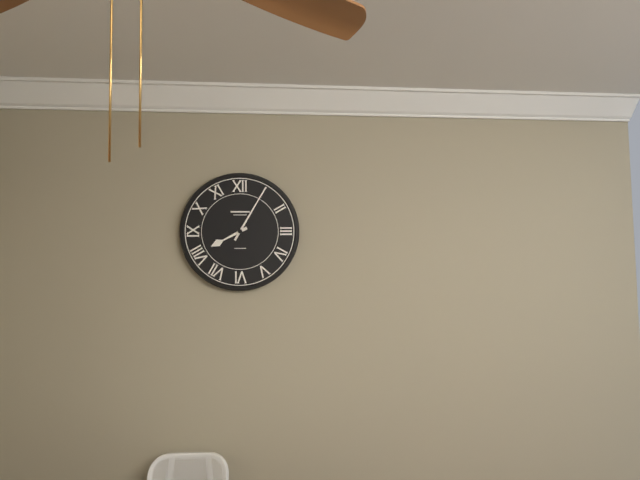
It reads 8:05
